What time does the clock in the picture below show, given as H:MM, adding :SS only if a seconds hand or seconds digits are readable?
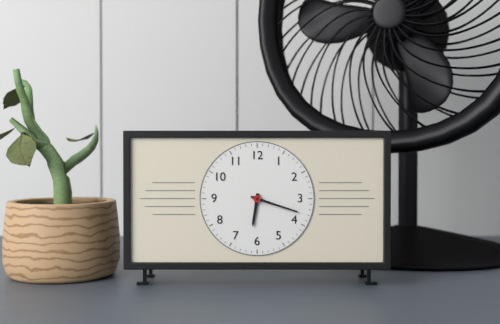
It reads 6:18
